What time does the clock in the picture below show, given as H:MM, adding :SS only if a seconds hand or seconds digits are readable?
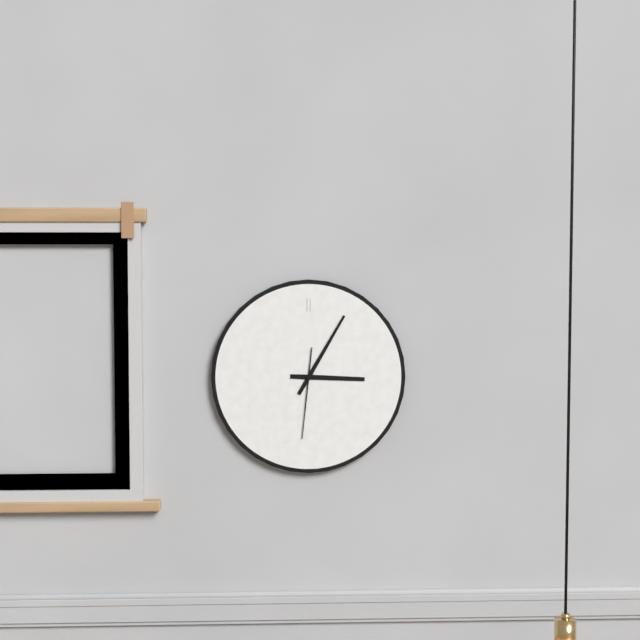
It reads 3:05:31
